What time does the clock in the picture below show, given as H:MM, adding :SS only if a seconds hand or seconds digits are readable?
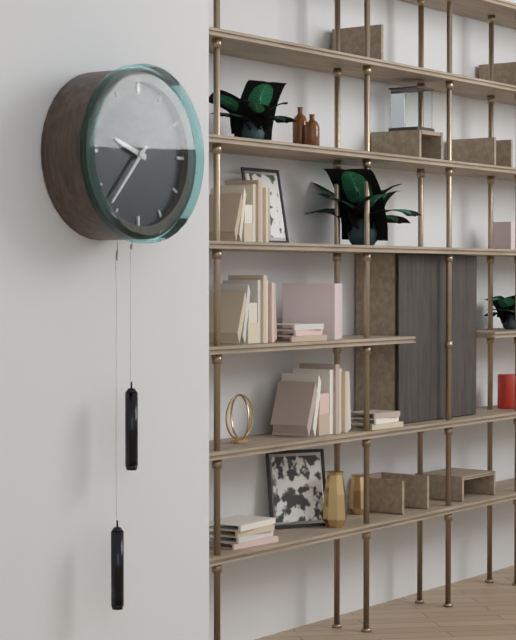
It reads 9:37
